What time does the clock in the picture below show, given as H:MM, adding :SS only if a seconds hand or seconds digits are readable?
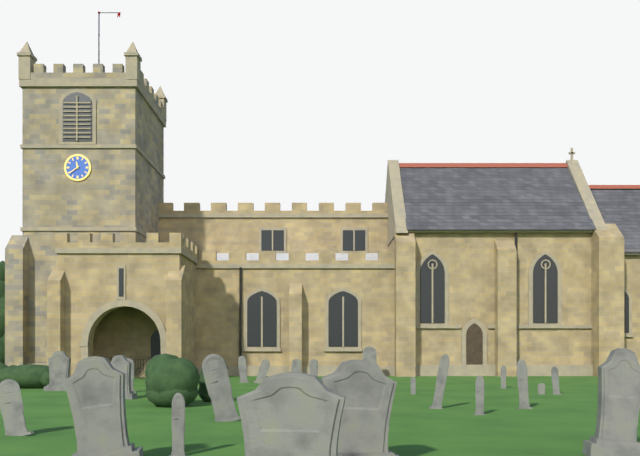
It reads 11:39
